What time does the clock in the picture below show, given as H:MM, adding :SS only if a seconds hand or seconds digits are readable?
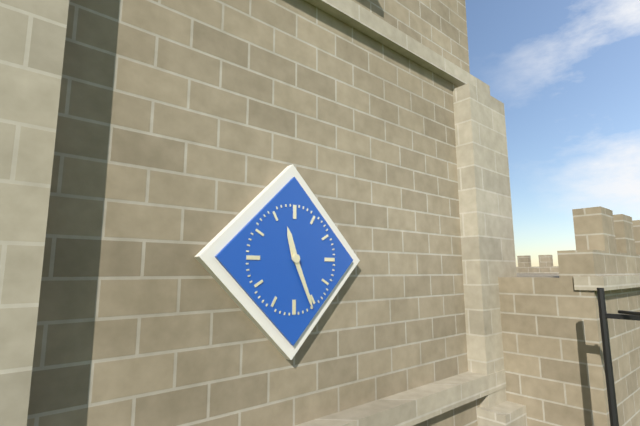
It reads 11:26
